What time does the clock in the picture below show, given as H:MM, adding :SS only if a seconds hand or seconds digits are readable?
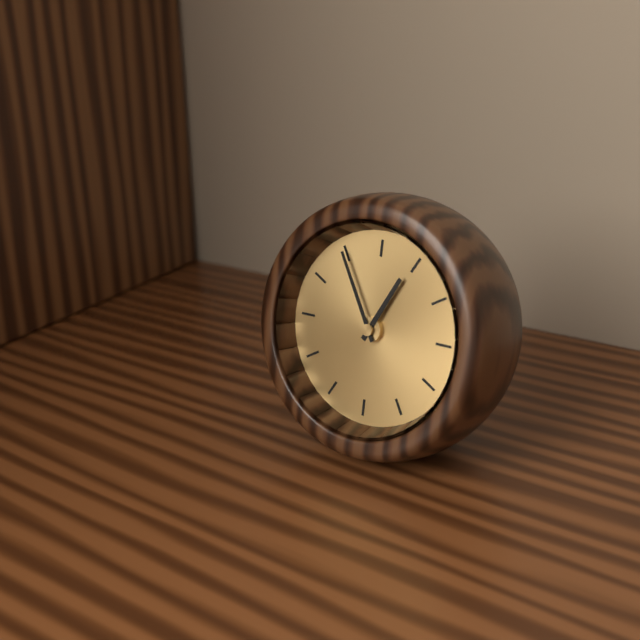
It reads 12:55
